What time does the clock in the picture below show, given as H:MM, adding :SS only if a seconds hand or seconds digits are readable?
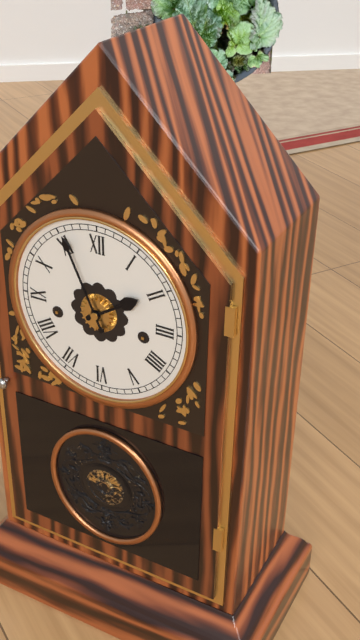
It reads 1:56
